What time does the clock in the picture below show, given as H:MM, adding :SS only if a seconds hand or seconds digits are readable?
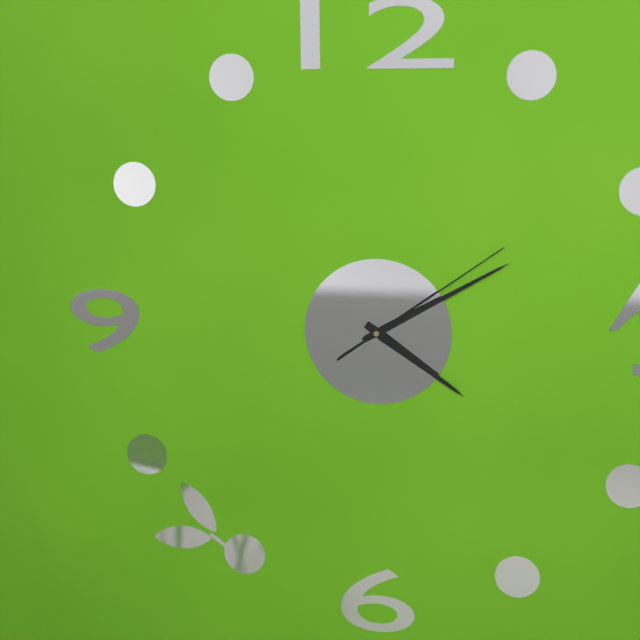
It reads 4:10:09
